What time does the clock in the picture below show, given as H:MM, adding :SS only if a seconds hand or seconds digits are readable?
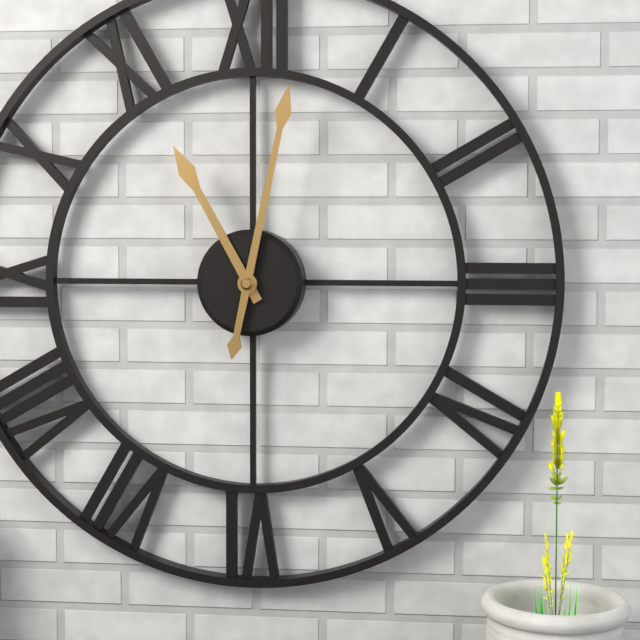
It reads 11:02
